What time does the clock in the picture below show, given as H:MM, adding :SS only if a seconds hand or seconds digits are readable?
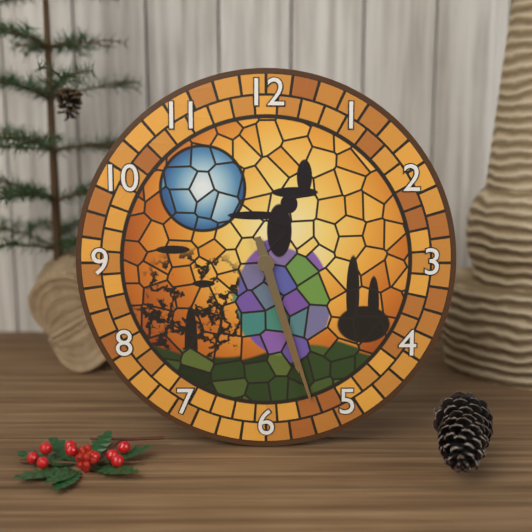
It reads 5:27
